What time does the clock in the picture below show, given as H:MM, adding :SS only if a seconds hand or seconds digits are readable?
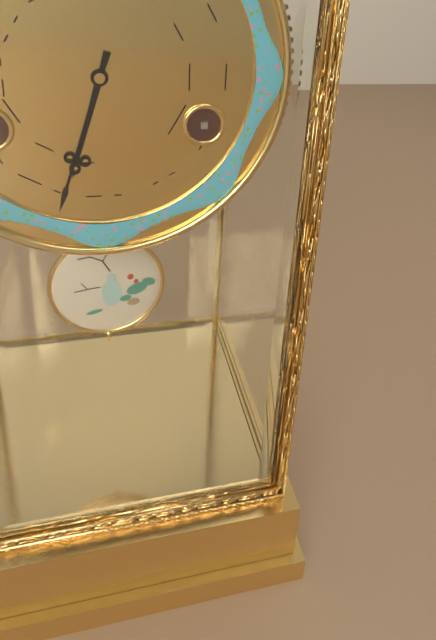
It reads 6:33
